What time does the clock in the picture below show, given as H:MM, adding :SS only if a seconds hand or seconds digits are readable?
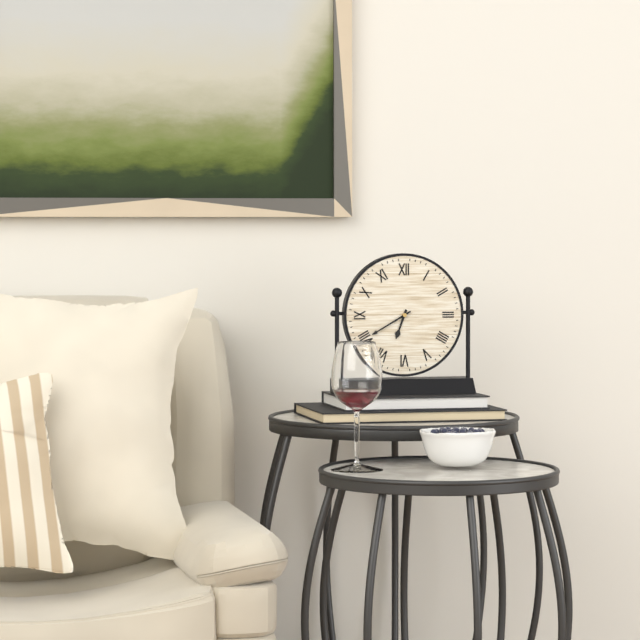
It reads 6:40
